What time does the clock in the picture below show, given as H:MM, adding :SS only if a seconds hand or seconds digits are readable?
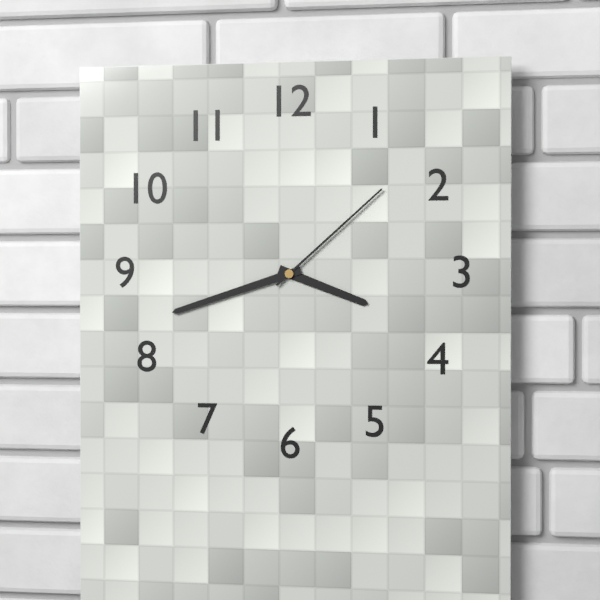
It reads 3:42:08
